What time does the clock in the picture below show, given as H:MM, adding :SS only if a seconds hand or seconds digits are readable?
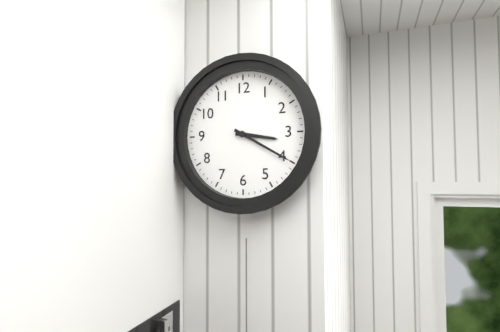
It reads 3:20
